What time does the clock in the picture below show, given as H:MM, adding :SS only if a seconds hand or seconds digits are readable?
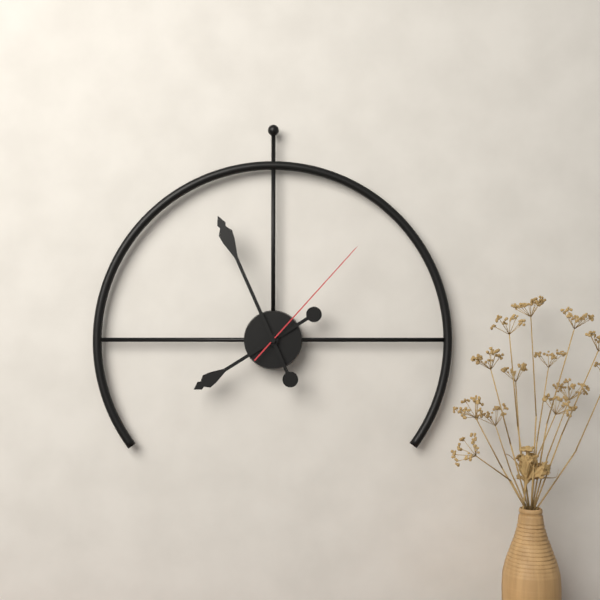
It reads 7:56:07
